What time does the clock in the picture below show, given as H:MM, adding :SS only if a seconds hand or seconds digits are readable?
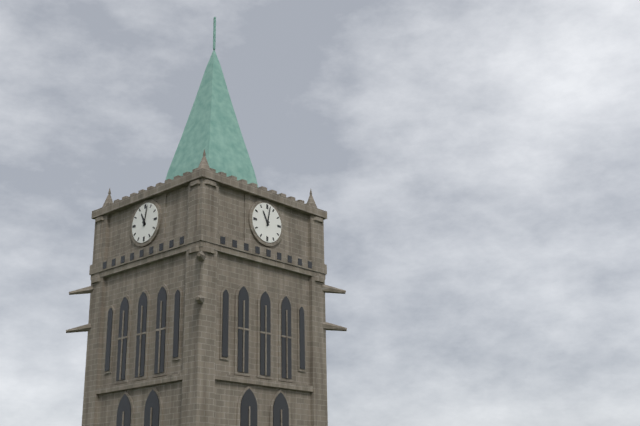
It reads 11:02
